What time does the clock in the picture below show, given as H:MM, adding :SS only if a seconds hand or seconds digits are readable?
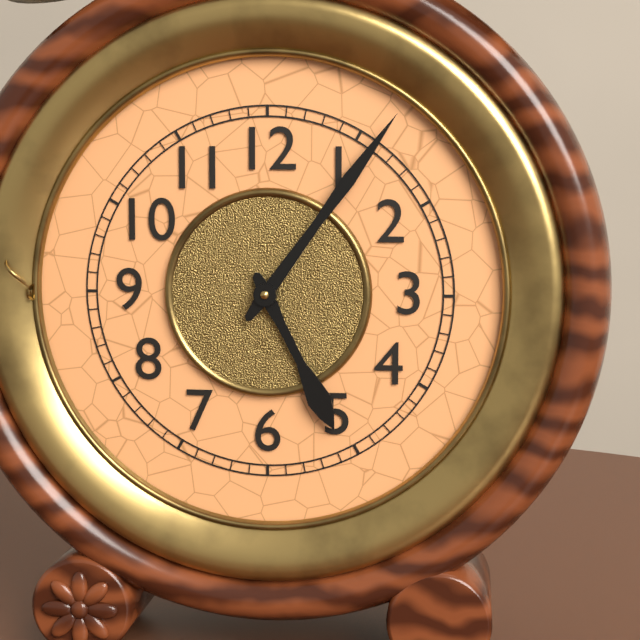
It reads 5:06
